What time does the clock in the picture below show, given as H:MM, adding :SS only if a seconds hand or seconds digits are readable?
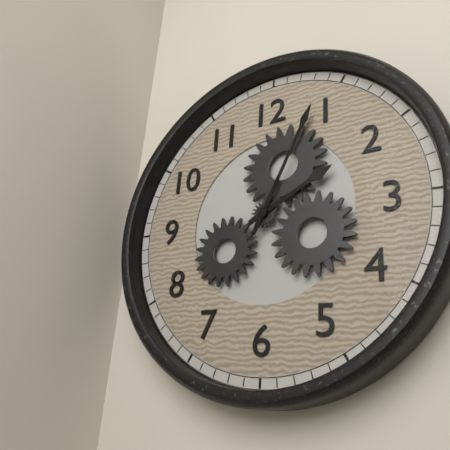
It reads 2:04
